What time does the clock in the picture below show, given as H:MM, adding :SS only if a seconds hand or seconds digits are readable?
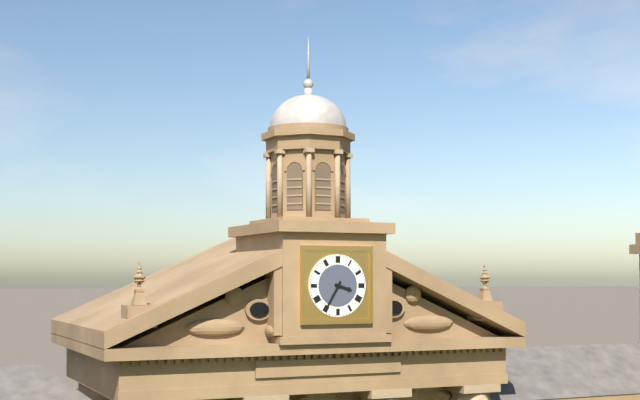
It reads 3:35
